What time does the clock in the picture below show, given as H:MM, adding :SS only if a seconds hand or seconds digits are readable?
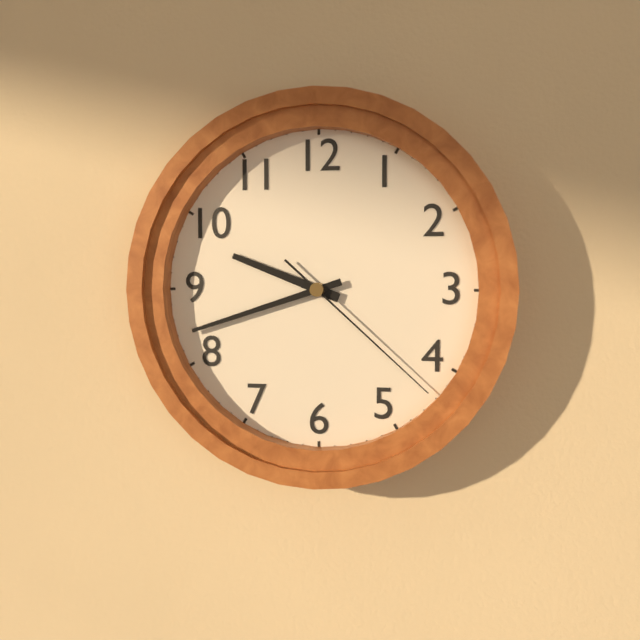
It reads 9:42:22
